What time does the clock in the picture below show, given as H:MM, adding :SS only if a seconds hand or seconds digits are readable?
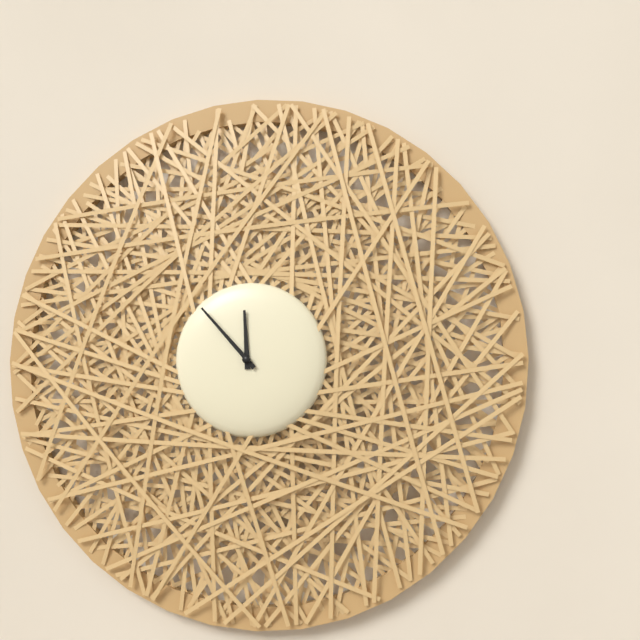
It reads 11:53
